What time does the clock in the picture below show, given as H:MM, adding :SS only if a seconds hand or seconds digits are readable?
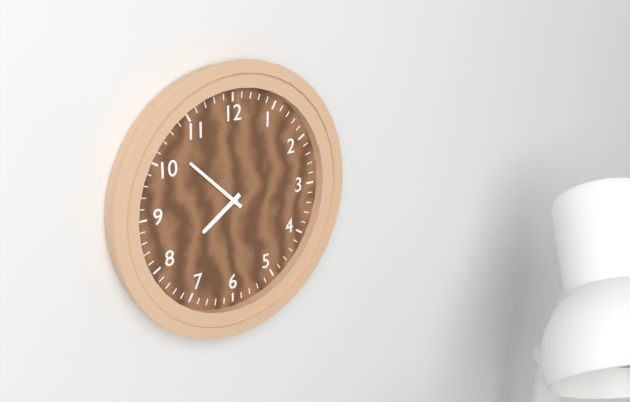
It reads 7:52
